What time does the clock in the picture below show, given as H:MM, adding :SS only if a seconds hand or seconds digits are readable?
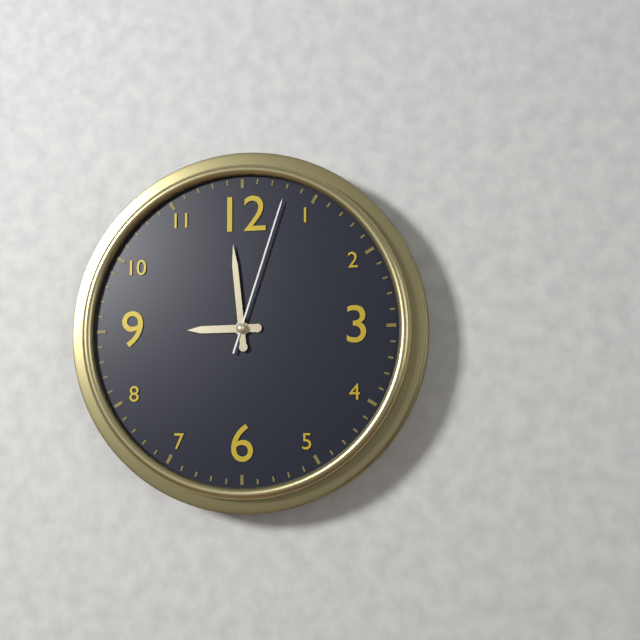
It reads 8:59:03
